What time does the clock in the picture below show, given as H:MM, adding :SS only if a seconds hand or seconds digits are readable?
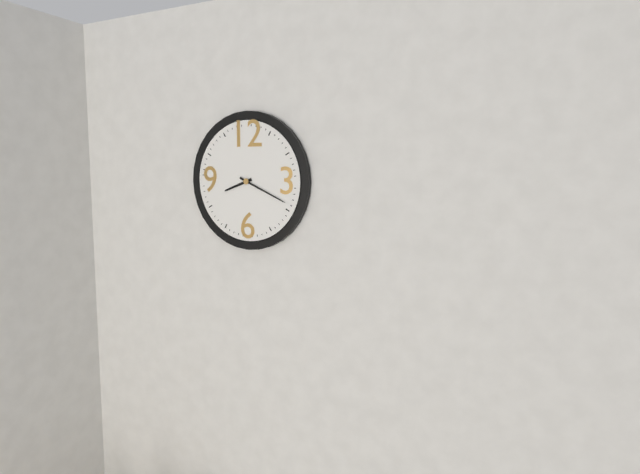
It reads 8:19
